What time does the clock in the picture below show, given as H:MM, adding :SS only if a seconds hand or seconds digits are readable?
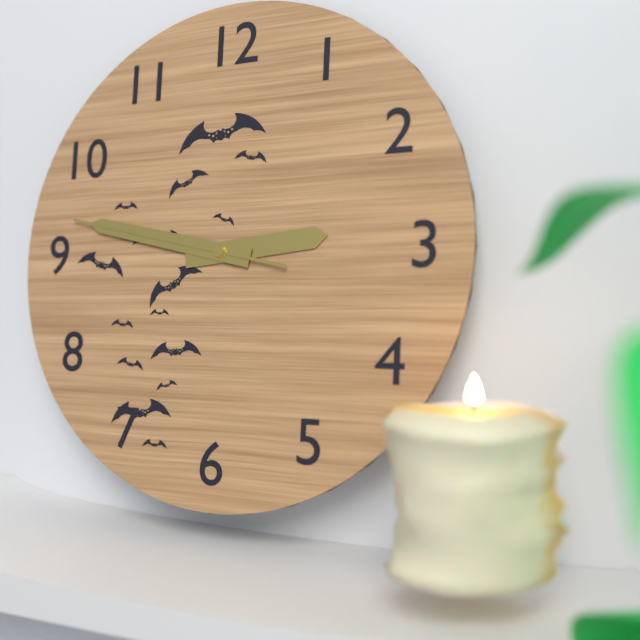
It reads 2:47:47
